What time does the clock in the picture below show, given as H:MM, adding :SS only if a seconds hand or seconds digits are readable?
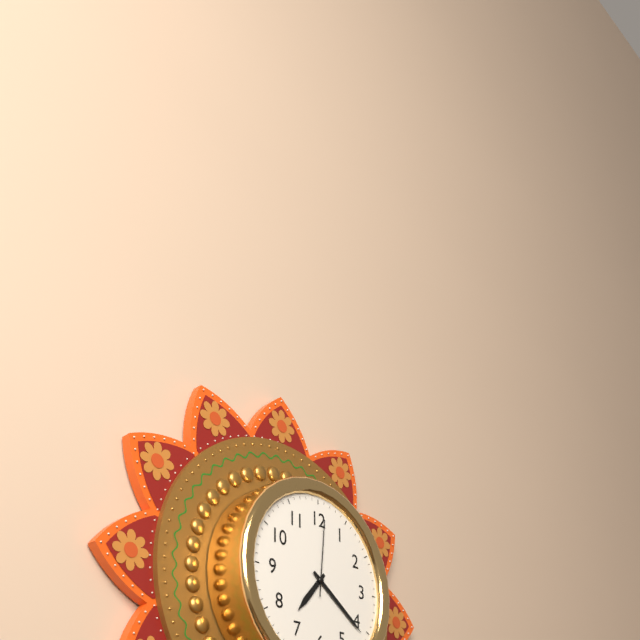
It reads 7:21:01
